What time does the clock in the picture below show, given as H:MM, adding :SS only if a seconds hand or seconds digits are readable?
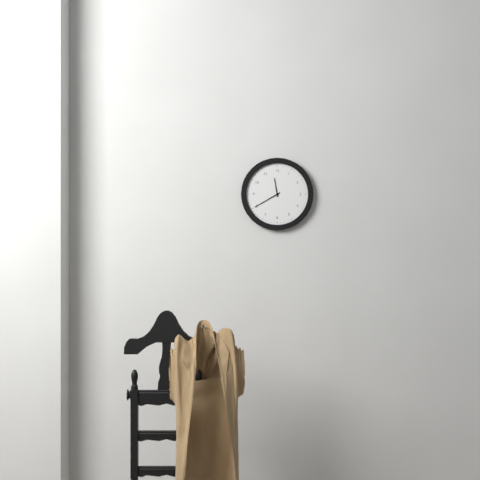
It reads 11:40
